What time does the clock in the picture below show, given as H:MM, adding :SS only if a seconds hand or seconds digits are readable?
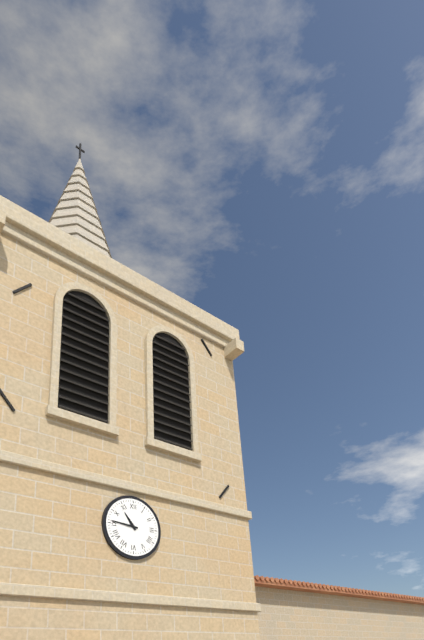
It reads 10:46
